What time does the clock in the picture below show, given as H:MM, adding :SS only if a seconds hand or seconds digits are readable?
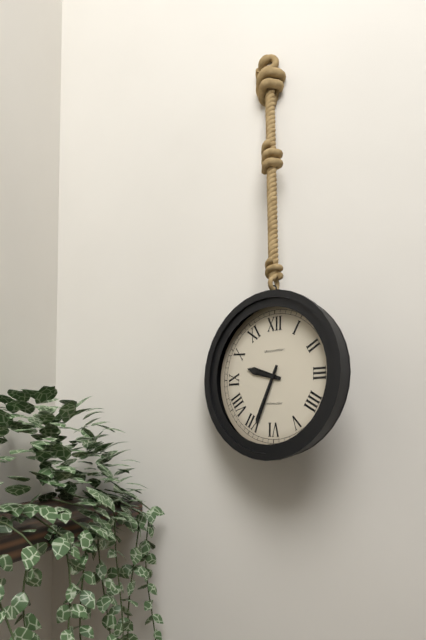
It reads 9:34
